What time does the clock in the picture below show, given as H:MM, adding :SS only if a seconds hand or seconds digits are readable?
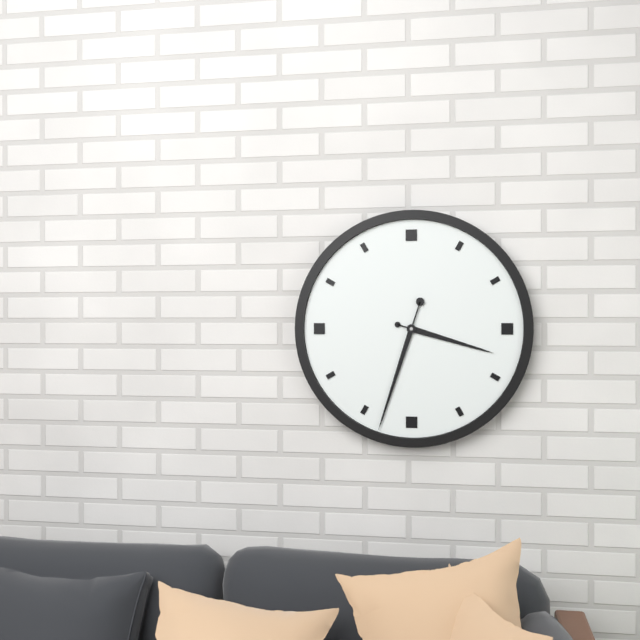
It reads 3:33
